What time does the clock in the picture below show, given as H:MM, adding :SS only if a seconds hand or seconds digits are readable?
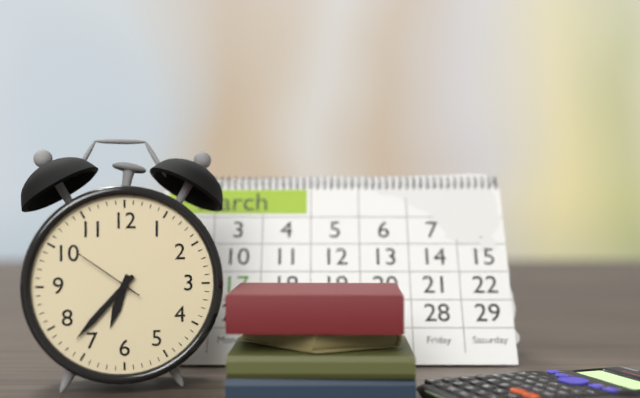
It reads 6:37:51
